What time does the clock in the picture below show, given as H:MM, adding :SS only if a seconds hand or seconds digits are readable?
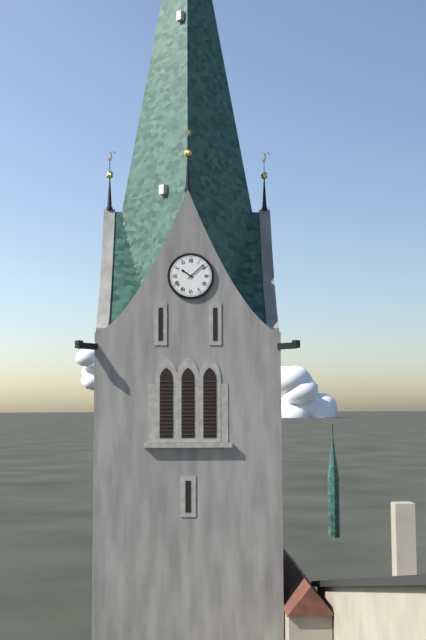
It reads 10:08
